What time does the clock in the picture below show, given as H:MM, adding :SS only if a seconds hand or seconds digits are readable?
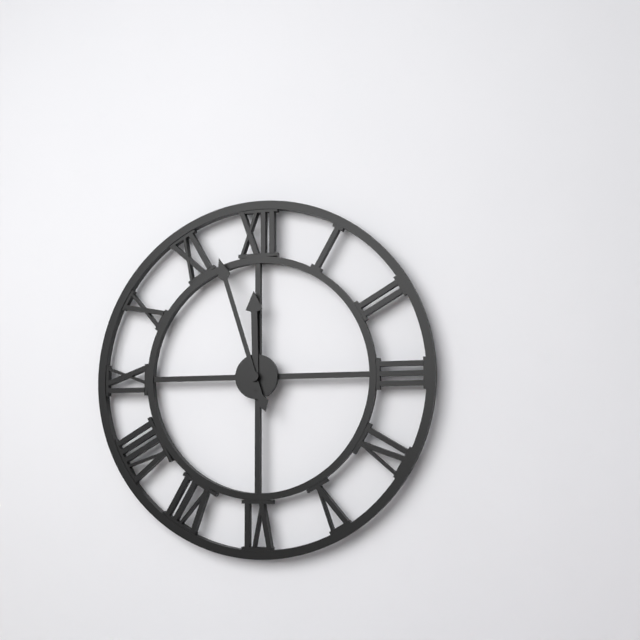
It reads 11:57
